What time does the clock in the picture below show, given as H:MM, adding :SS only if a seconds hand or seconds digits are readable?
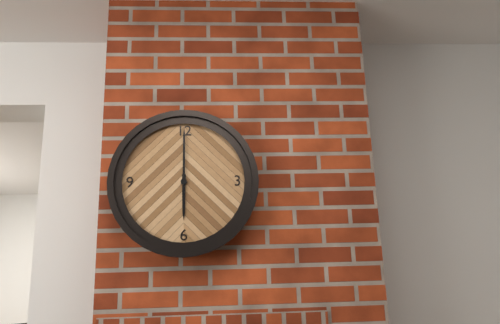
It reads 6:00
